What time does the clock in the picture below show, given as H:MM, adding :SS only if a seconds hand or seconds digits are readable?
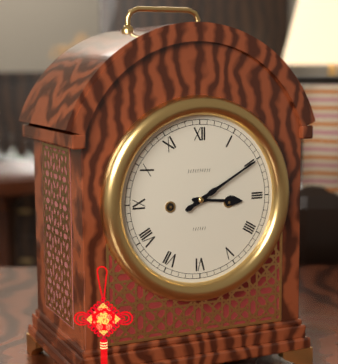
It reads 3:10
